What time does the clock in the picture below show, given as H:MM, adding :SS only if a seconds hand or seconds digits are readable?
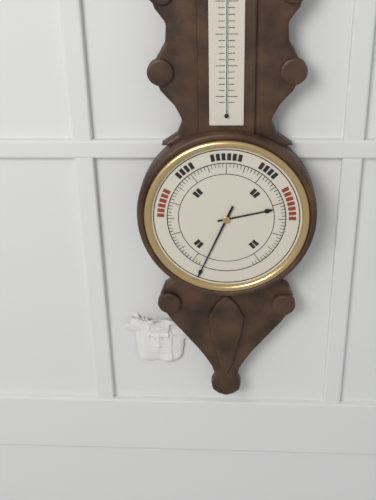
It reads 2:34
